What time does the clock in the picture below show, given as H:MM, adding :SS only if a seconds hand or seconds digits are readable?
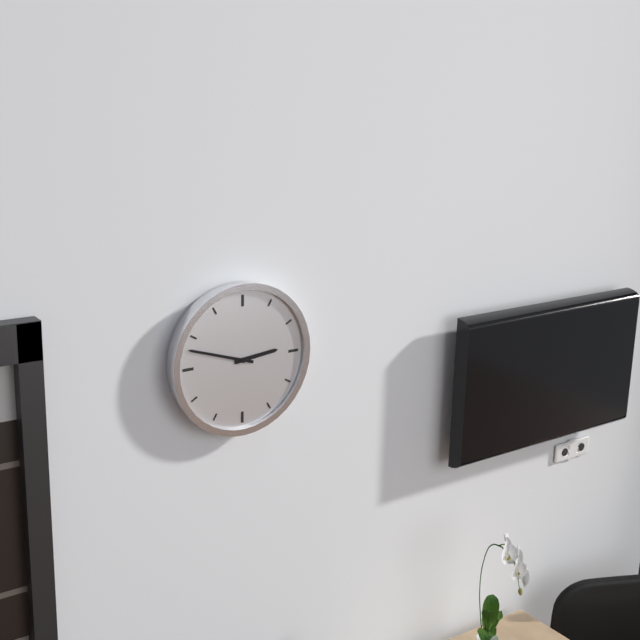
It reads 2:48
